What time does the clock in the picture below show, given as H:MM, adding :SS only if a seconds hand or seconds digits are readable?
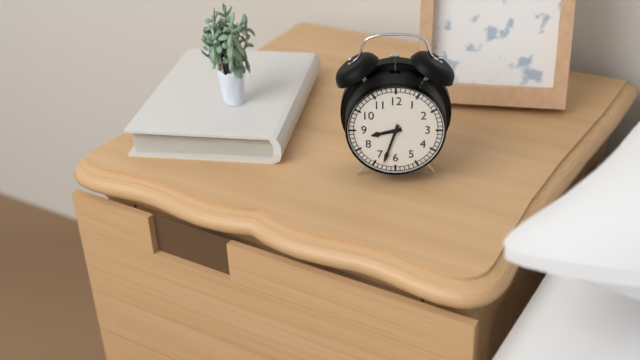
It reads 8:33
